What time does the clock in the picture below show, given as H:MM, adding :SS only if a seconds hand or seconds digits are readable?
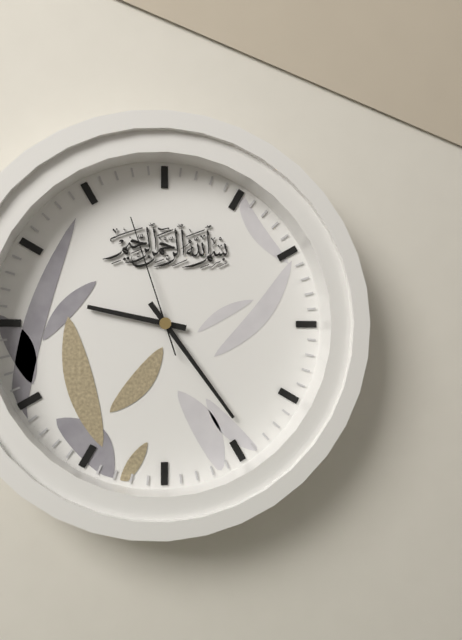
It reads 9:24:57
